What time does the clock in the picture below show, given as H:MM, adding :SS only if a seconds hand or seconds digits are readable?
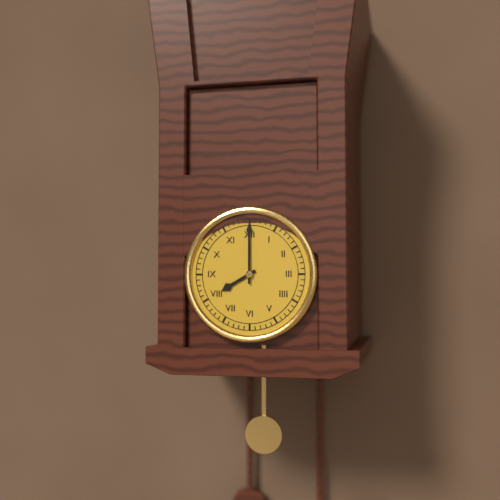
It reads 8:00
